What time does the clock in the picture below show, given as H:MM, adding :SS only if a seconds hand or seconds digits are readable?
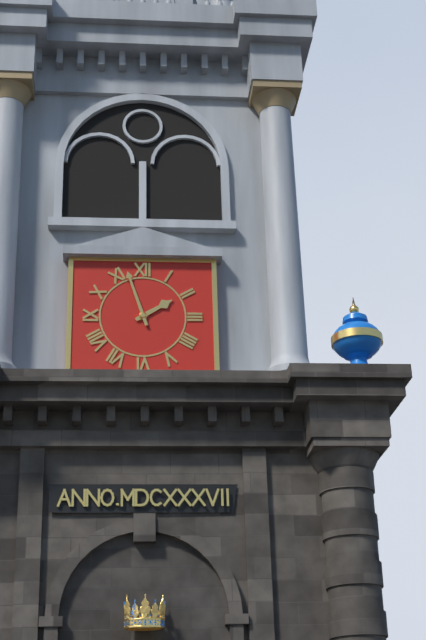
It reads 1:57
